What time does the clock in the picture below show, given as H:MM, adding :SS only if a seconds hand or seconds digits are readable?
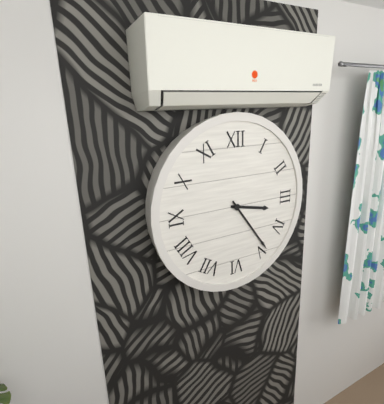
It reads 3:24
